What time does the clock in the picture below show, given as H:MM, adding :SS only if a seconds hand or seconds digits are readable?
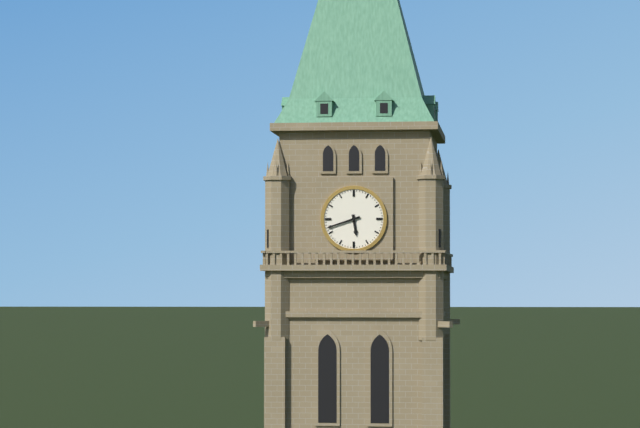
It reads 5:42
